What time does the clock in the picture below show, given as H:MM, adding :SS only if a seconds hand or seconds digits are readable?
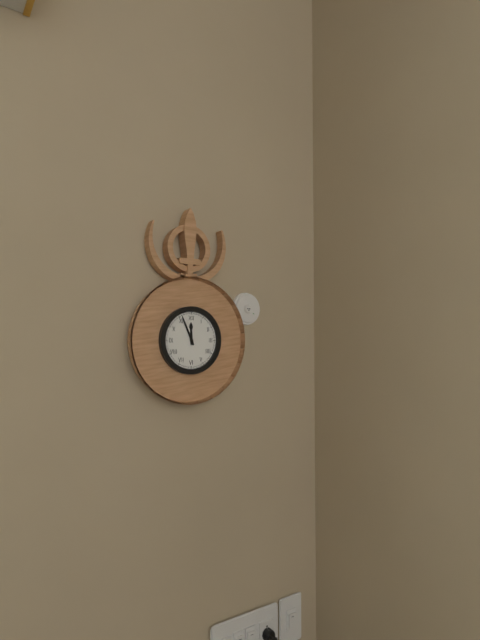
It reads 11:56
